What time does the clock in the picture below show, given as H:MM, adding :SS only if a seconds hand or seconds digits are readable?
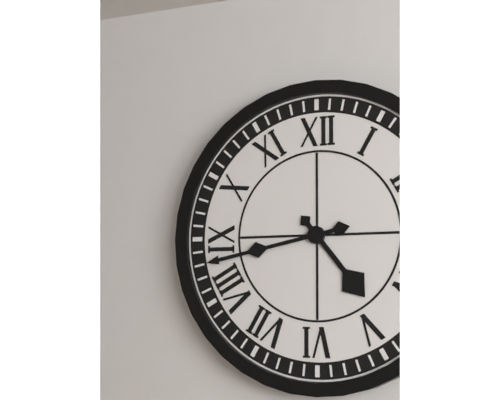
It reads 4:43
